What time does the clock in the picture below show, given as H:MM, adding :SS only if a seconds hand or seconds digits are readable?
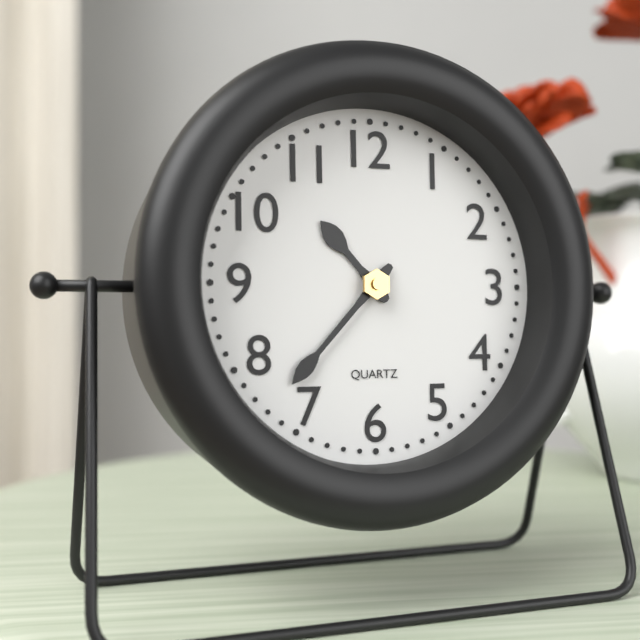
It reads 10:37
